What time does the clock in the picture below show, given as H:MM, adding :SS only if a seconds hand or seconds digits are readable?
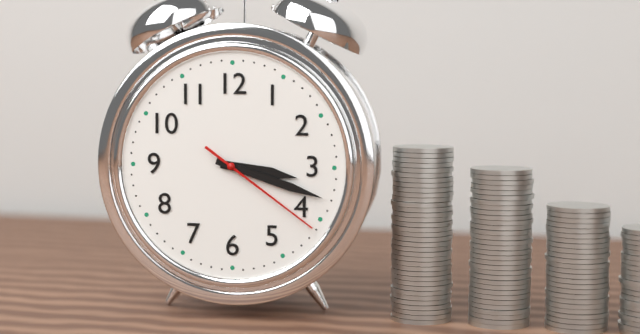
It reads 3:18:21
